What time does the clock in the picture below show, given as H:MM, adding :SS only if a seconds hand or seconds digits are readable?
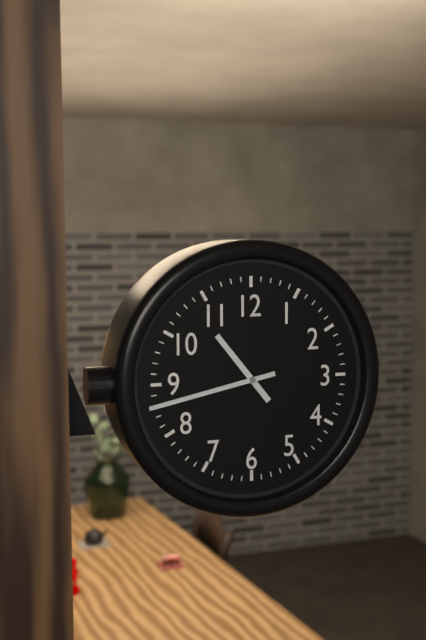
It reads 10:43
